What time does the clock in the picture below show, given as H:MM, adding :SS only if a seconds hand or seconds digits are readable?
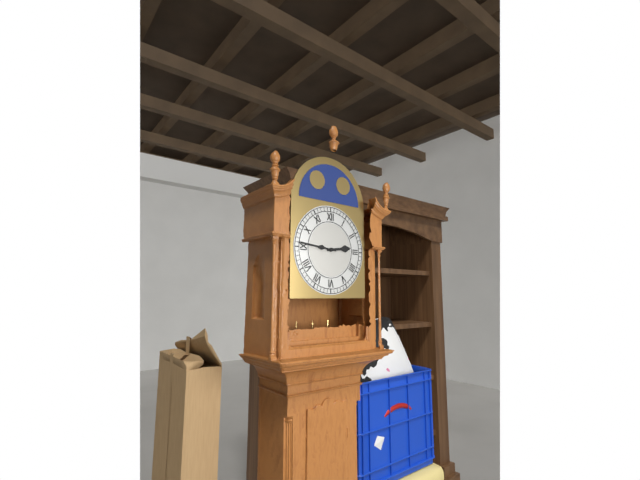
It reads 2:46
